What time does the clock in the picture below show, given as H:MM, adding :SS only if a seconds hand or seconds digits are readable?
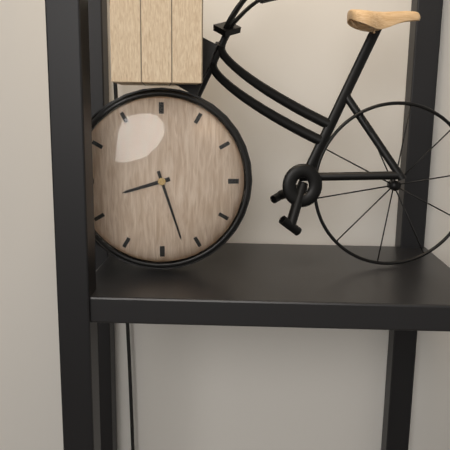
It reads 8:27
